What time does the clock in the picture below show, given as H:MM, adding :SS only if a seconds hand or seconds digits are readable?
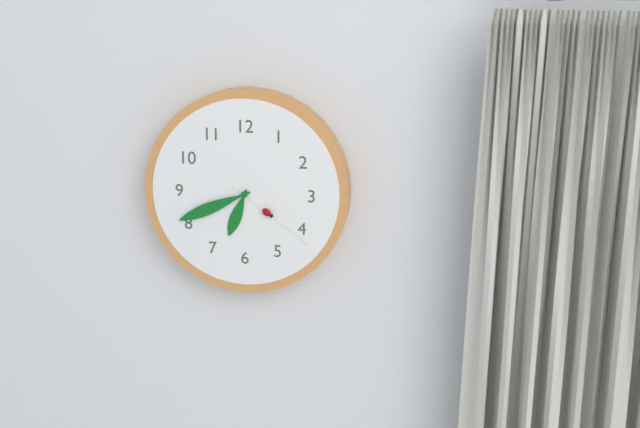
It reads 6:41:21
